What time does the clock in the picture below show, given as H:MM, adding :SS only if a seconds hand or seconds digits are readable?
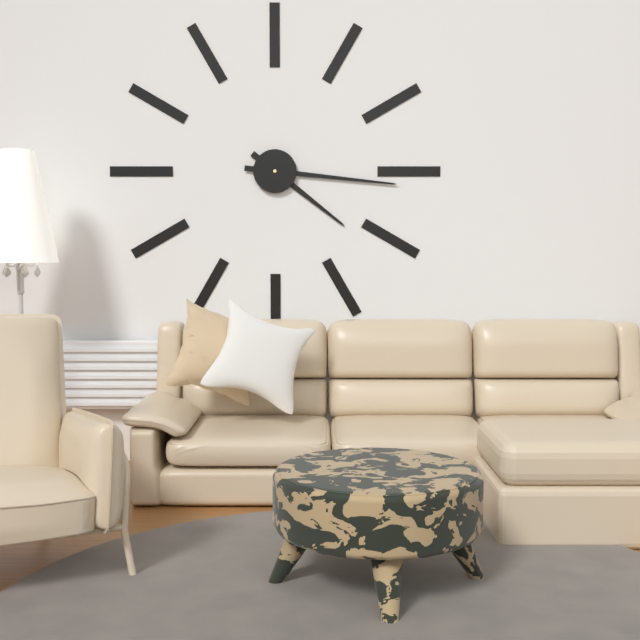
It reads 4:16
